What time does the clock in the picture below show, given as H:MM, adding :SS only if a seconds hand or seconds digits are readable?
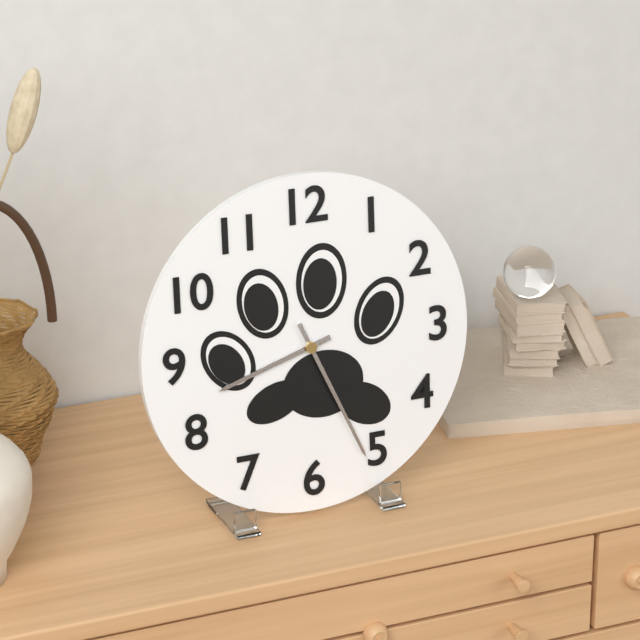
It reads 8:26
